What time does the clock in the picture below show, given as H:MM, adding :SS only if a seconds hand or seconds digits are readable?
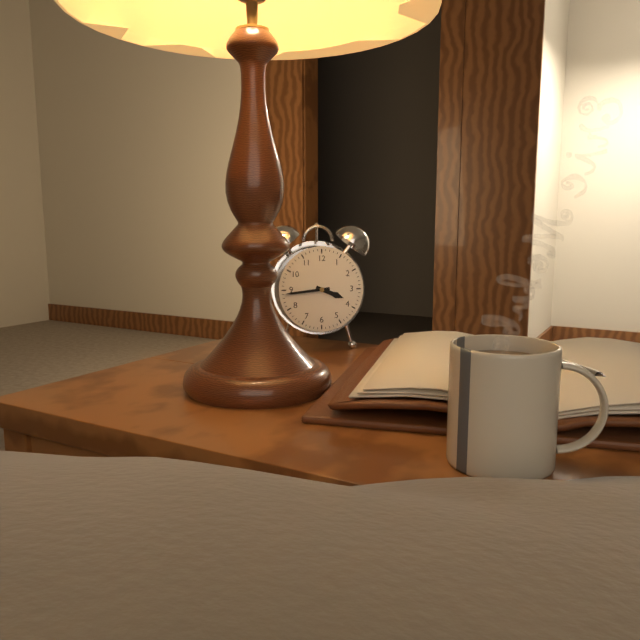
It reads 3:44
